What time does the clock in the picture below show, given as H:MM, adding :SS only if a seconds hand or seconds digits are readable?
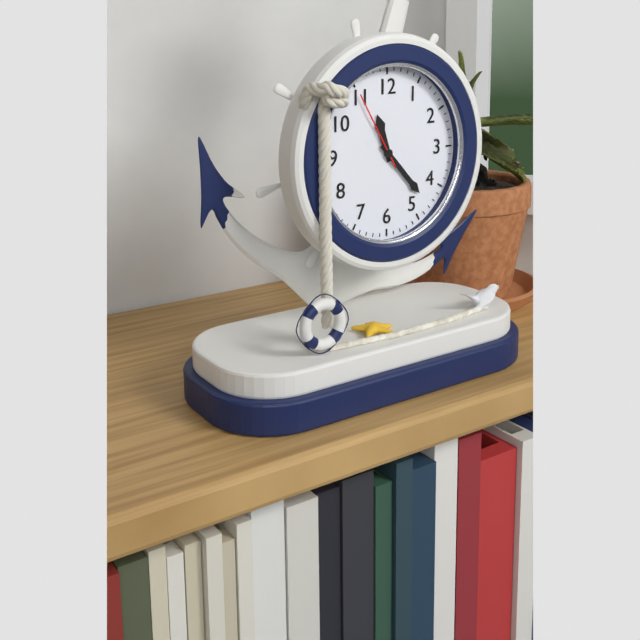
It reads 11:23:55
